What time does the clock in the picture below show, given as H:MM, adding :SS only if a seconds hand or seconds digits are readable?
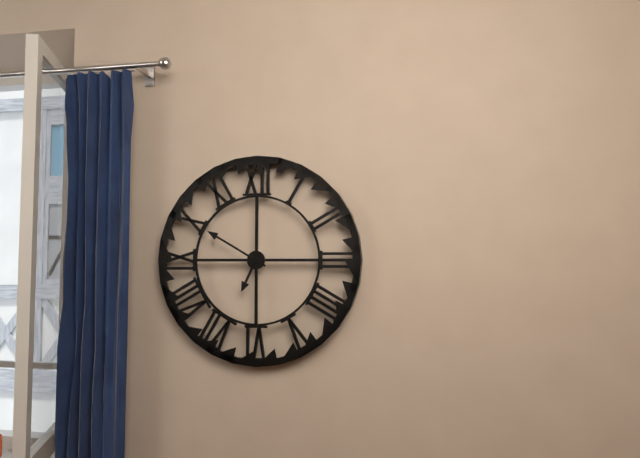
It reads 6:50
